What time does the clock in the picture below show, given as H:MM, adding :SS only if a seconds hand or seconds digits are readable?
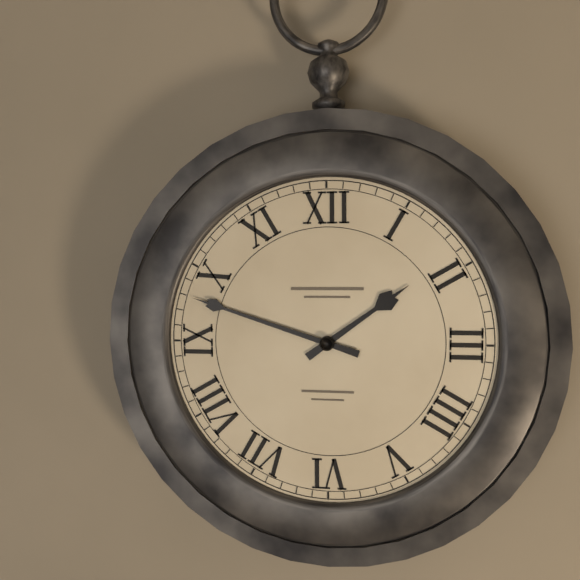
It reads 1:48
